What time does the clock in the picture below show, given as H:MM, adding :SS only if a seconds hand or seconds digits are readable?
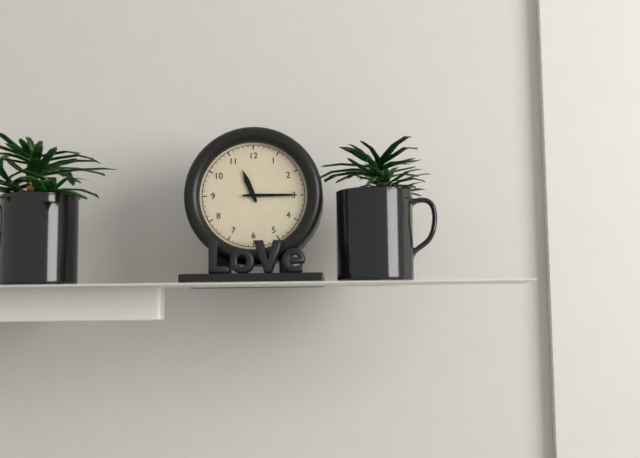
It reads 11:15
